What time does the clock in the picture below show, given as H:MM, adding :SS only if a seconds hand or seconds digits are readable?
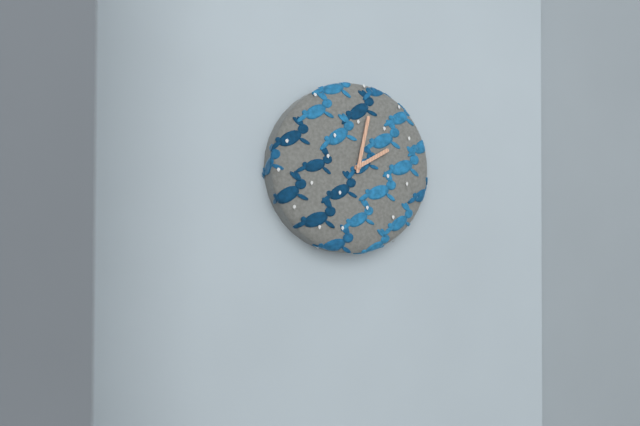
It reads 2:02
